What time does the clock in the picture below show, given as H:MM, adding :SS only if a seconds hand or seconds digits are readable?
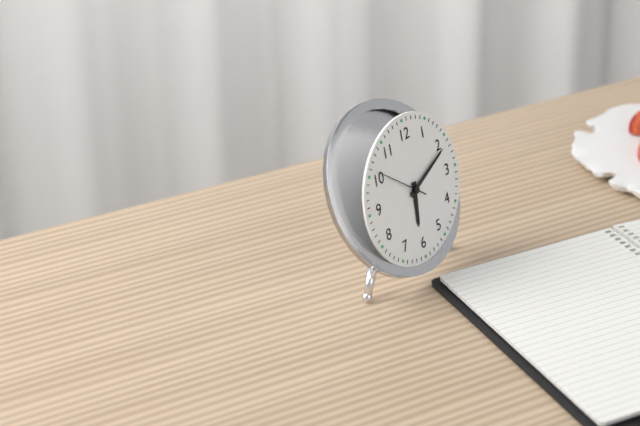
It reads 6:11:51
